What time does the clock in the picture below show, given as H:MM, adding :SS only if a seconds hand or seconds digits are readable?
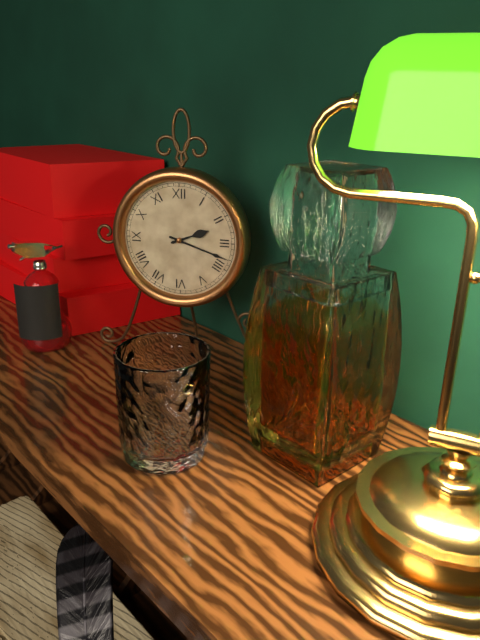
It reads 2:18
